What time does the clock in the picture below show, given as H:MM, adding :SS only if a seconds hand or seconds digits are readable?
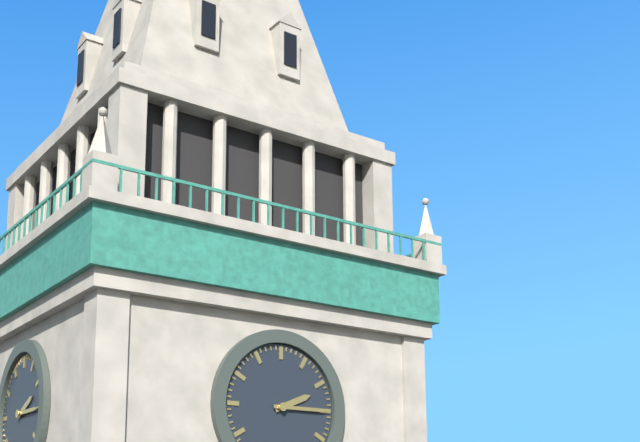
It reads 2:15
